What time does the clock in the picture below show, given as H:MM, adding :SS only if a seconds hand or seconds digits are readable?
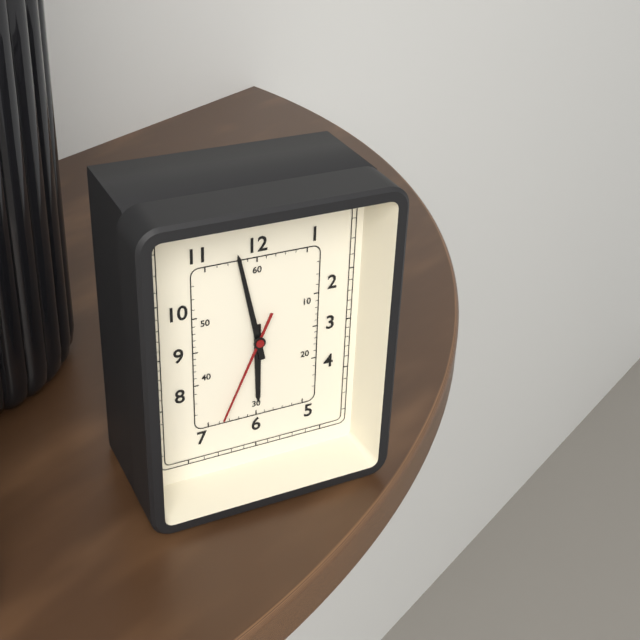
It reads 5:58:34
